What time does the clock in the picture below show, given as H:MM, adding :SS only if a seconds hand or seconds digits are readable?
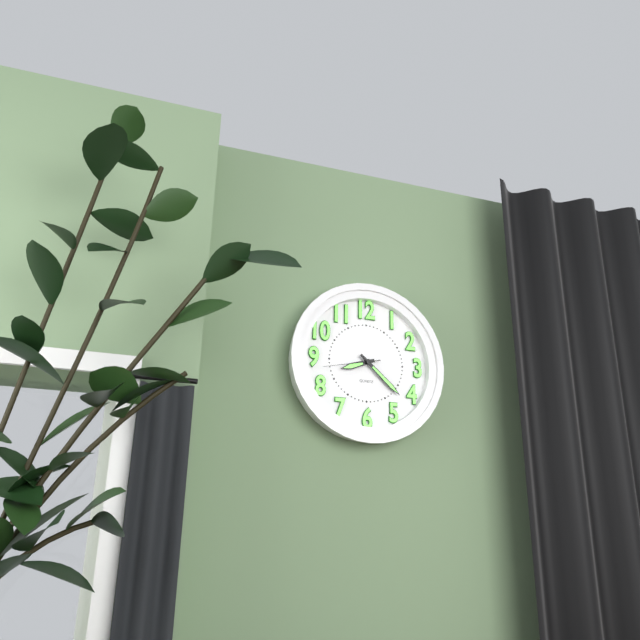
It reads 8:22:43
